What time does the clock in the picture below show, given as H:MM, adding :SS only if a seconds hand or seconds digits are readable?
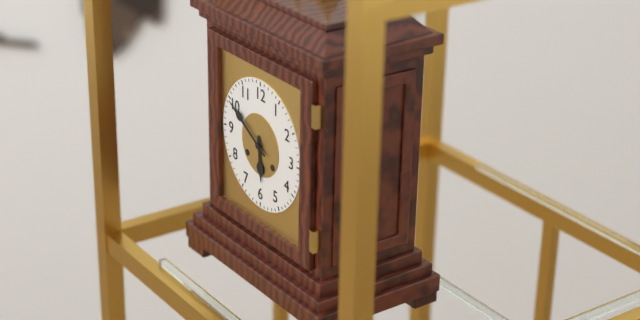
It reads 5:50
